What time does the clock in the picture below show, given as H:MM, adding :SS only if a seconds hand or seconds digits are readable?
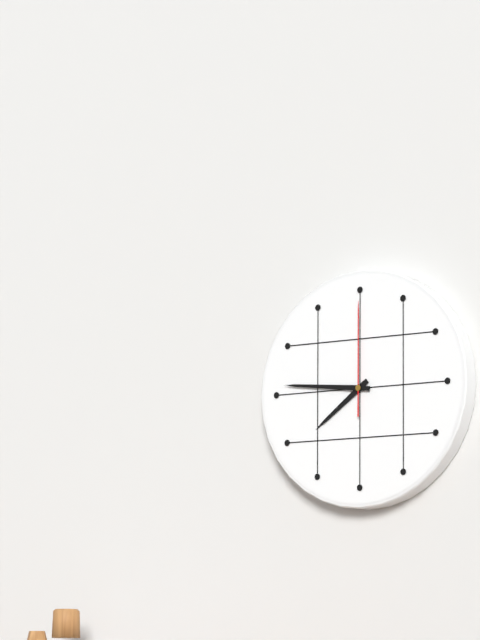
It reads 7:46:00
